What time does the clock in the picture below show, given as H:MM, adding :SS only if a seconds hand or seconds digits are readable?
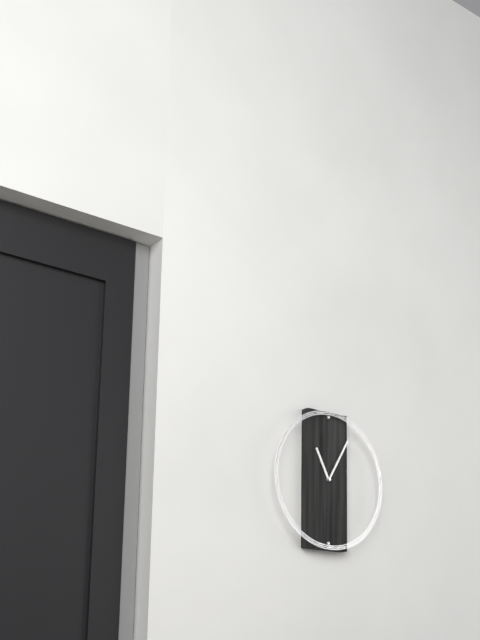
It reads 11:05
